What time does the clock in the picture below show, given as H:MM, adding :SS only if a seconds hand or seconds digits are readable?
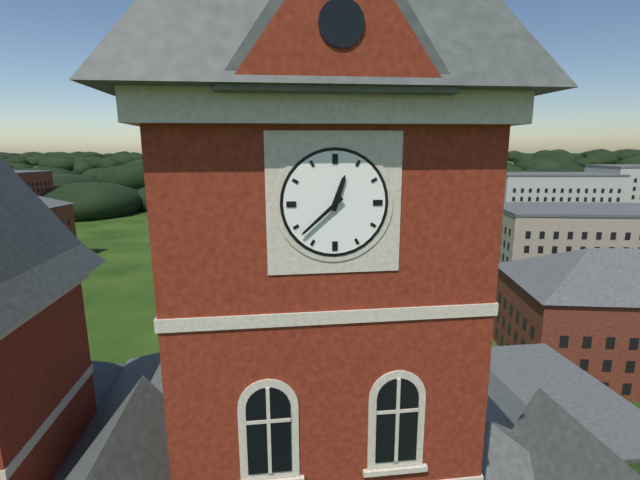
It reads 12:38
